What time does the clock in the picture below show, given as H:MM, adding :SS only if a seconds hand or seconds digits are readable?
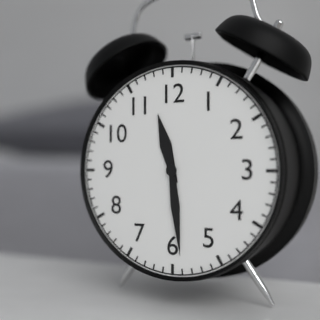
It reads 11:29
